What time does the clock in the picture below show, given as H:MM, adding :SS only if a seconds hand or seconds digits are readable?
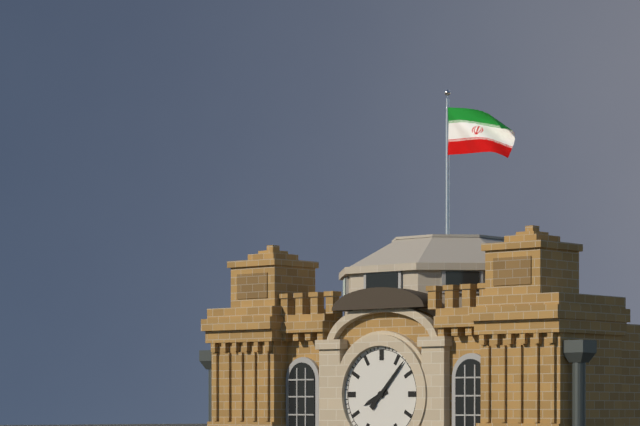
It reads 8:07
